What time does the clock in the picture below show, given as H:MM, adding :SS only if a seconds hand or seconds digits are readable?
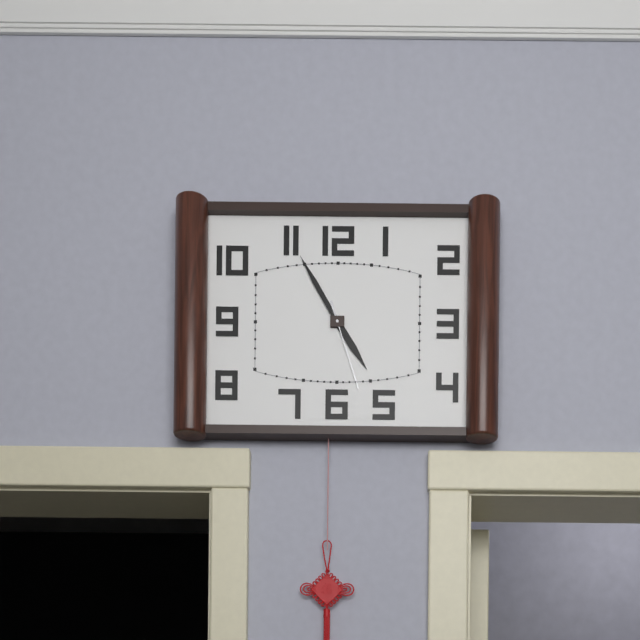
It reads 4:55:27
